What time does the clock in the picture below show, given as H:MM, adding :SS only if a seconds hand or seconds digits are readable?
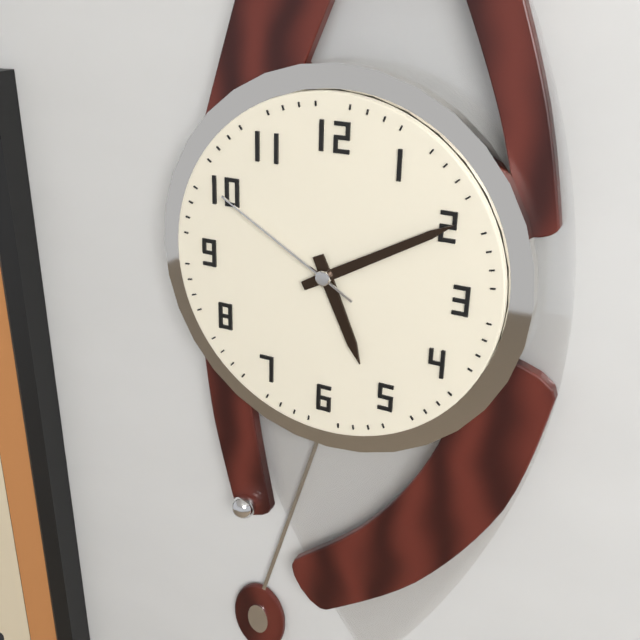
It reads 5:10:50
